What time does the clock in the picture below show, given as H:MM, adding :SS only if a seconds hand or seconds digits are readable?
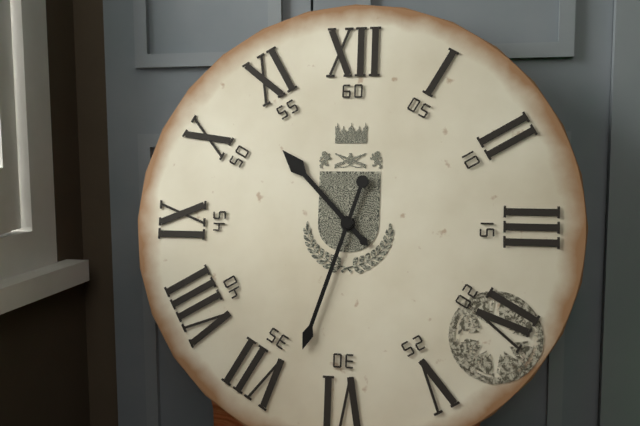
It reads 10:33
